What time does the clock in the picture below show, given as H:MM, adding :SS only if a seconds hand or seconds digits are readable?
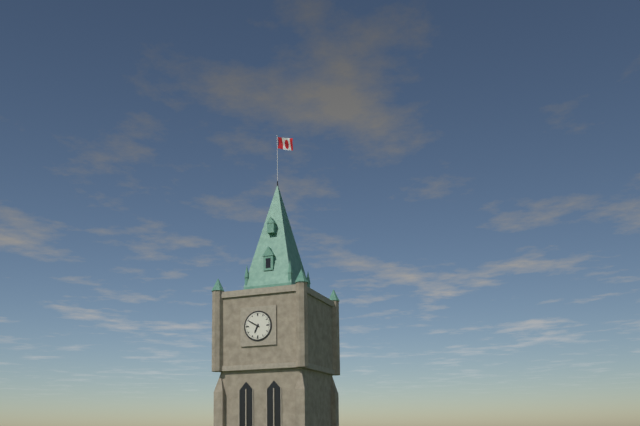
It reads 6:50
